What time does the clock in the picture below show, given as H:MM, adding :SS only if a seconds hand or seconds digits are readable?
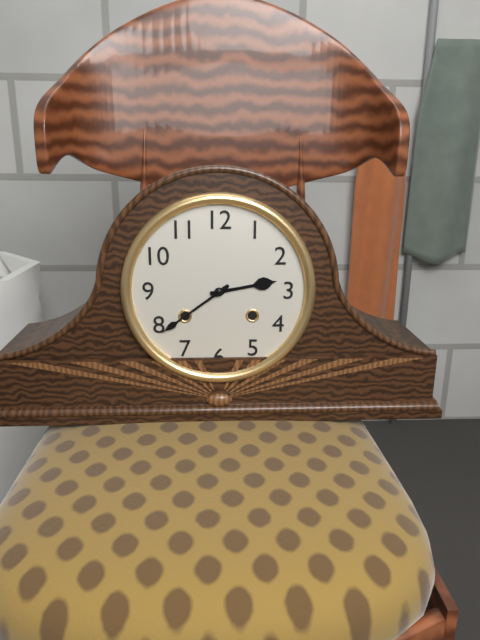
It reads 2:39
